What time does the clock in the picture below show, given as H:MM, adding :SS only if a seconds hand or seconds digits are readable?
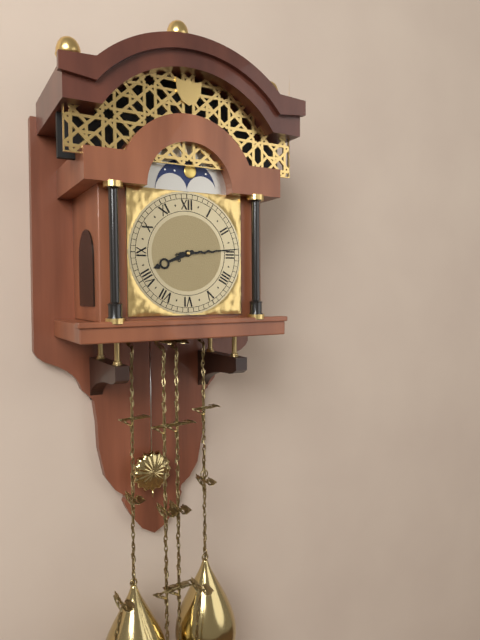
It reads 8:14
